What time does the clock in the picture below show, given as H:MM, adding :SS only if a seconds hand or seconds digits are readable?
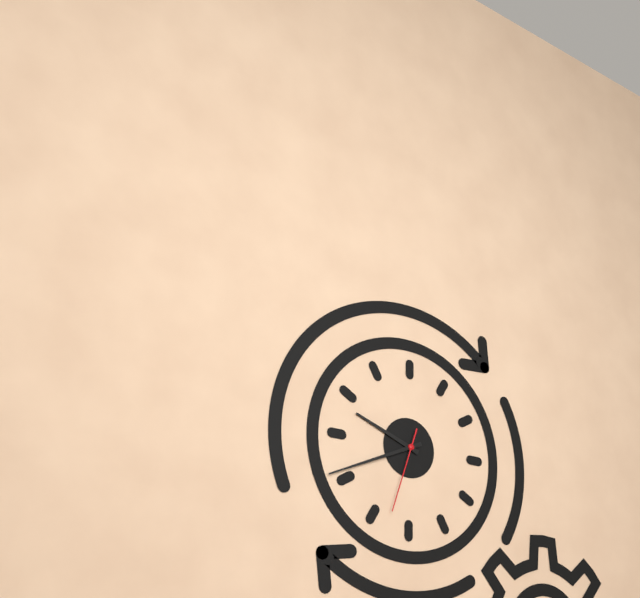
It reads 9:41:33
